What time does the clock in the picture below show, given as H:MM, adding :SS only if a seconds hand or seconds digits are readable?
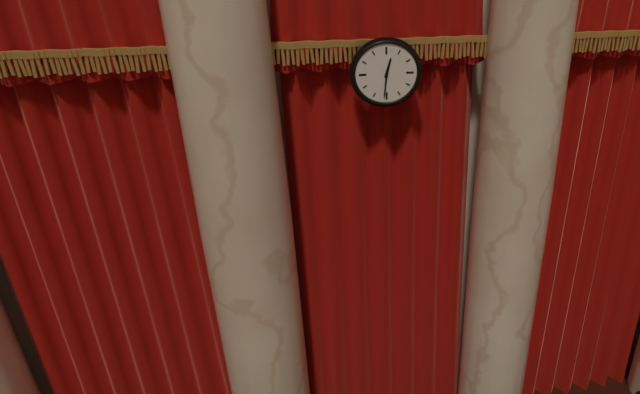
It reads 12:31
